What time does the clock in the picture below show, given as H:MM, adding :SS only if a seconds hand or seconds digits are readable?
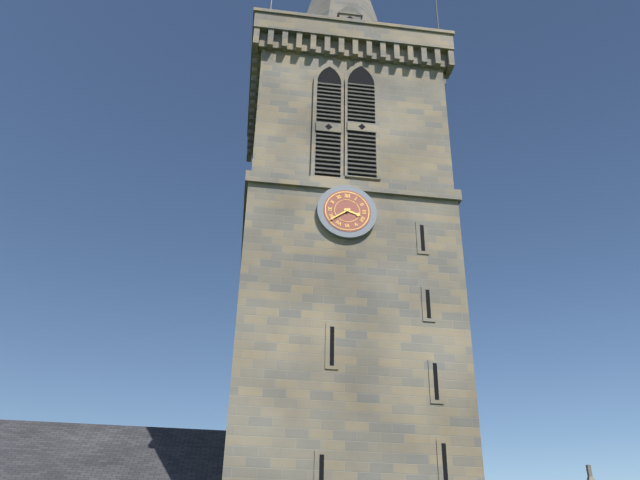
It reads 3:39
